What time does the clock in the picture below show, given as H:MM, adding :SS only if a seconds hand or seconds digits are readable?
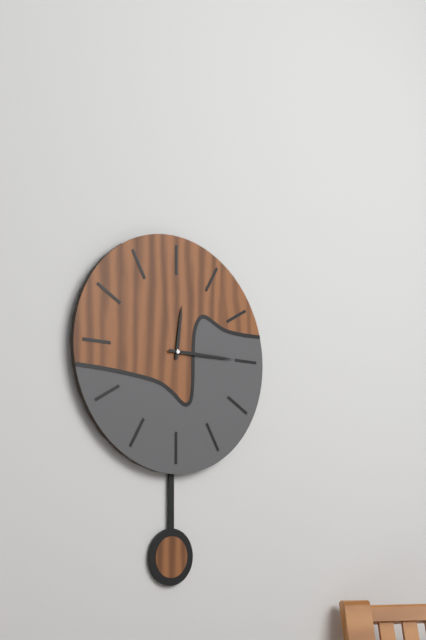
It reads 12:15
